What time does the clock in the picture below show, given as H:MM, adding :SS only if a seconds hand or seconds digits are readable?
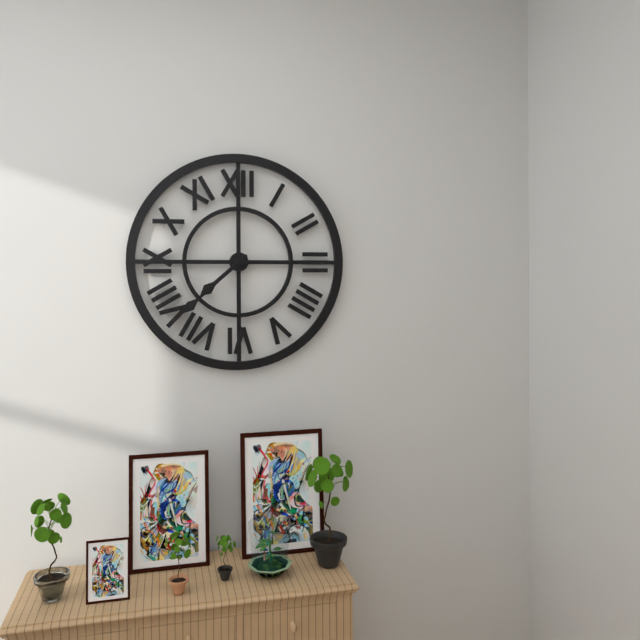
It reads 7:38
